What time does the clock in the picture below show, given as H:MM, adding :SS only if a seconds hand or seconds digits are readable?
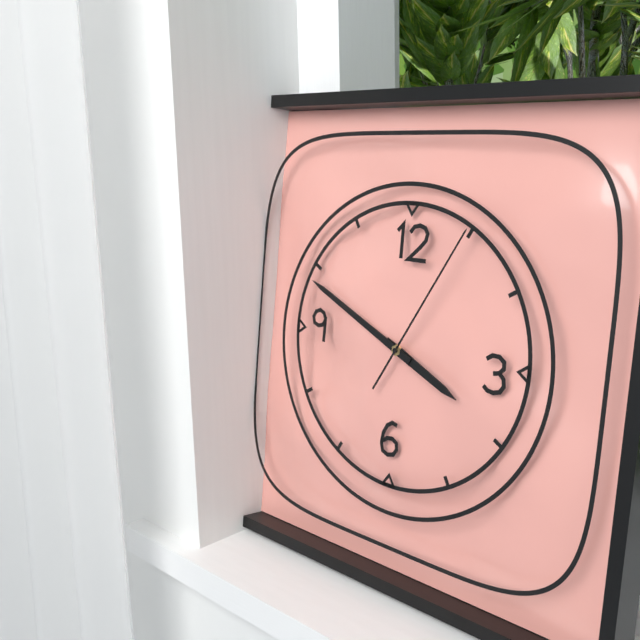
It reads 3:49:05
